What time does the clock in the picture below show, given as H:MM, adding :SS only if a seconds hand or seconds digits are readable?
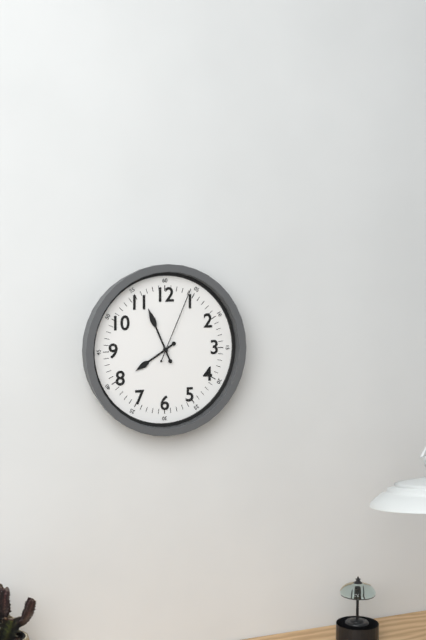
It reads 7:56:04
